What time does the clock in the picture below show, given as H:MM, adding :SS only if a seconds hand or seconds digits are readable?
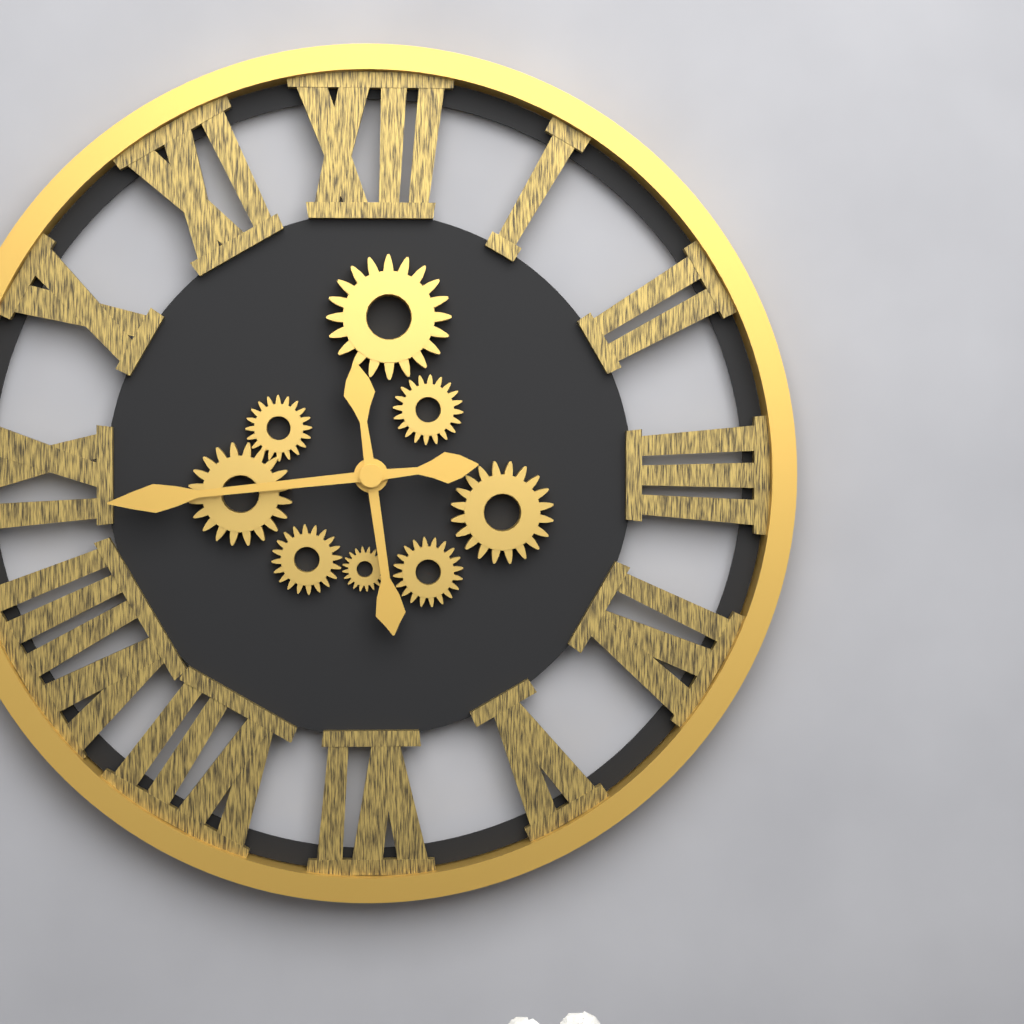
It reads 5:44
